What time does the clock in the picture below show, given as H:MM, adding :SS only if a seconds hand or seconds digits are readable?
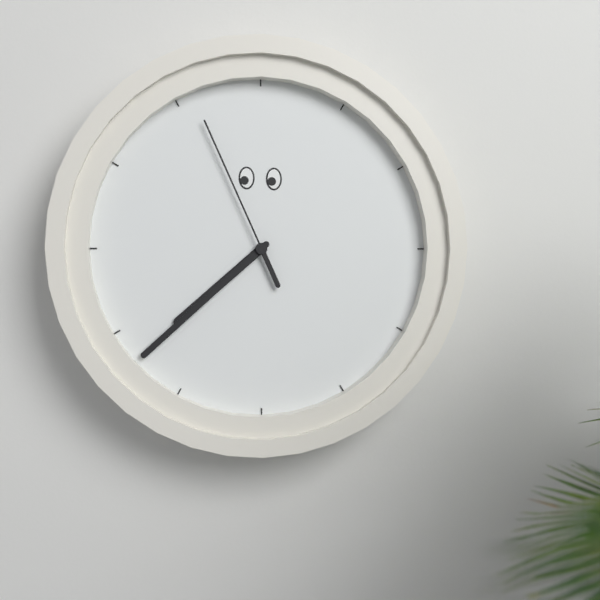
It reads 7:38:56
